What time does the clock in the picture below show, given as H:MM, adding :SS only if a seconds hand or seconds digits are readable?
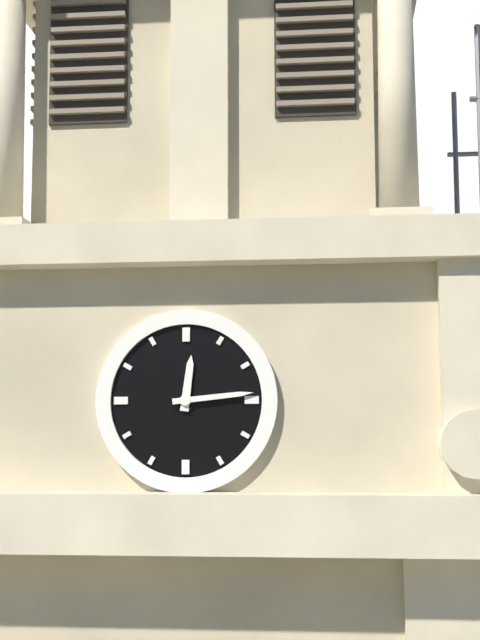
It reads 12:14
